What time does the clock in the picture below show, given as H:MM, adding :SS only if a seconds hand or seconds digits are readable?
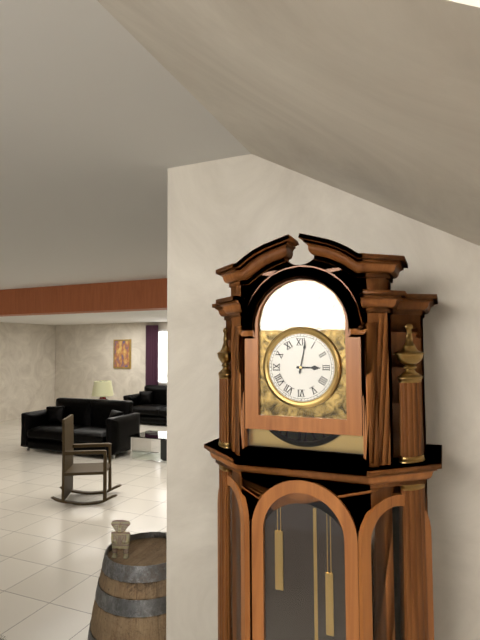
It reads 3:02
